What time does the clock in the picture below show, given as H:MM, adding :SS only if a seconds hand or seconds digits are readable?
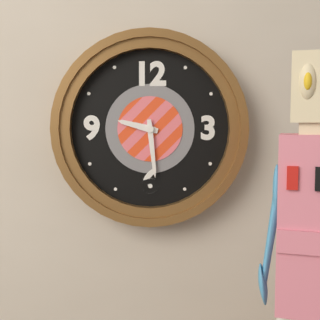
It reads 9:29
